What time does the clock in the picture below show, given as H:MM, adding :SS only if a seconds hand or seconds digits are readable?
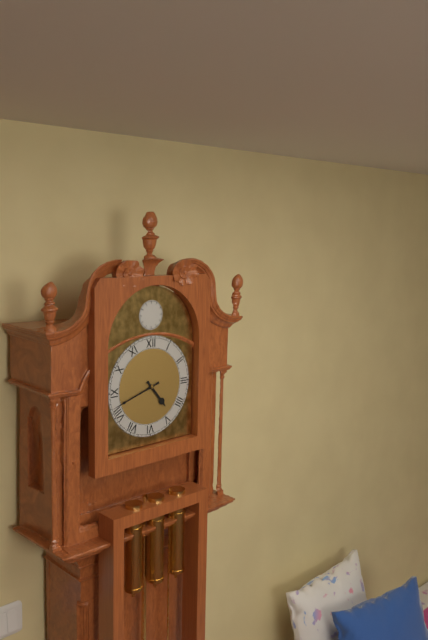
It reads 4:42
